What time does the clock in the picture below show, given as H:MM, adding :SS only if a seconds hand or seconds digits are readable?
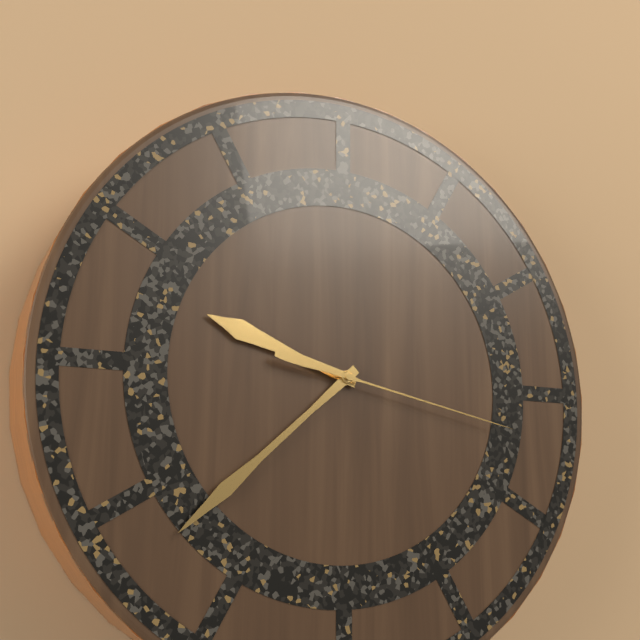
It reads 9:38:17
